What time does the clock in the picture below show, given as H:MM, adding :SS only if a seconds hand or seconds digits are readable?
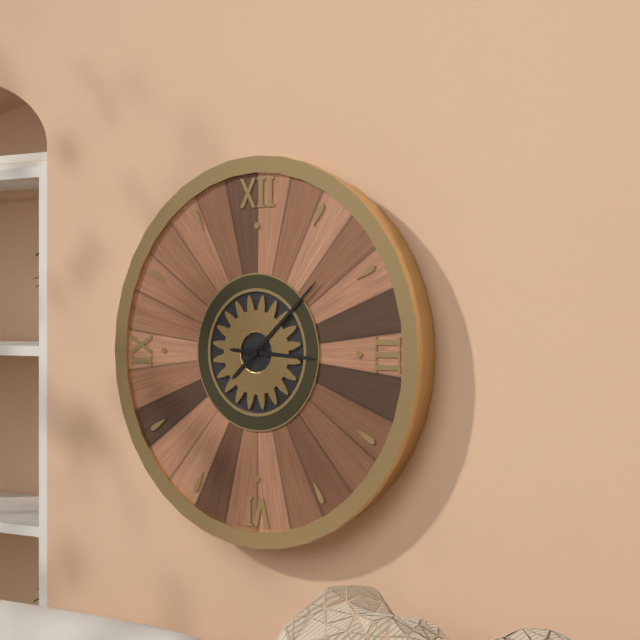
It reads 3:08
